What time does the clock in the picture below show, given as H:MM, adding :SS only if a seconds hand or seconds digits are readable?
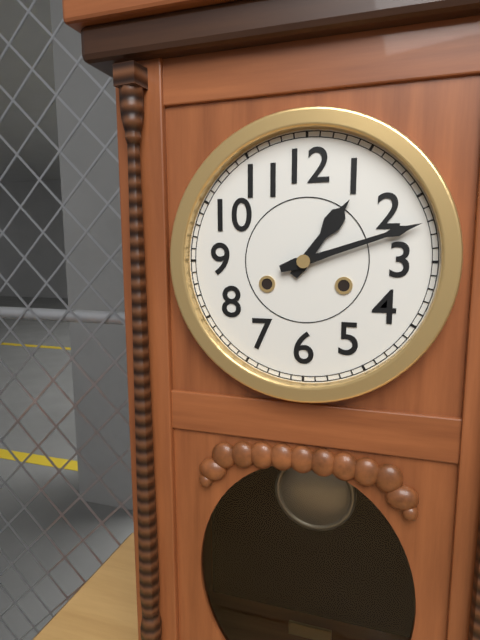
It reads 1:12
